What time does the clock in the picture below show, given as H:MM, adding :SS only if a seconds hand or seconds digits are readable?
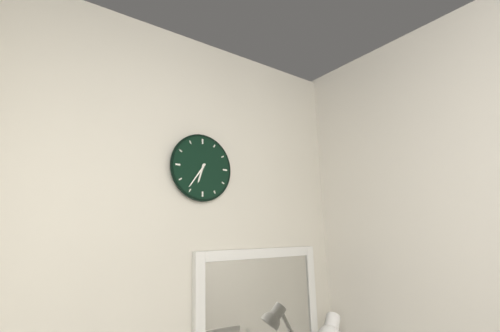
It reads 6:36
